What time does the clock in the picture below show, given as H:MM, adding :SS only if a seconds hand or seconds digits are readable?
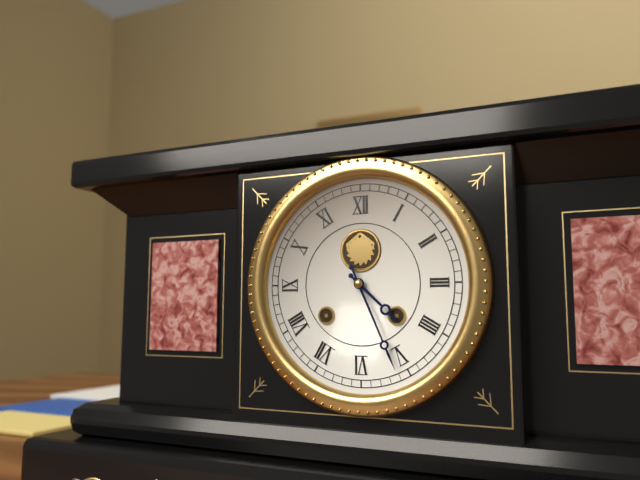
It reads 4:26
